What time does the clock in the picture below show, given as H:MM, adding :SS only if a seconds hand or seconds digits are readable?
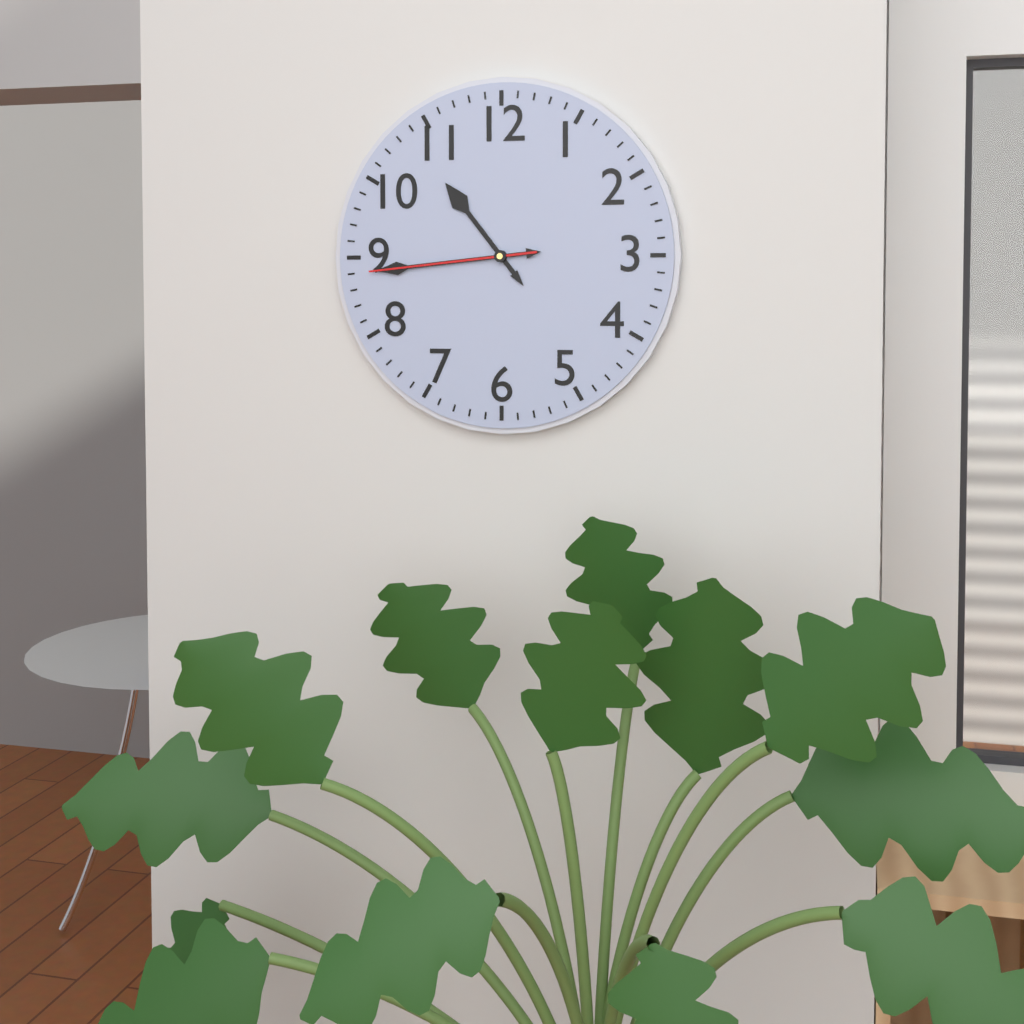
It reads 10:44:44
